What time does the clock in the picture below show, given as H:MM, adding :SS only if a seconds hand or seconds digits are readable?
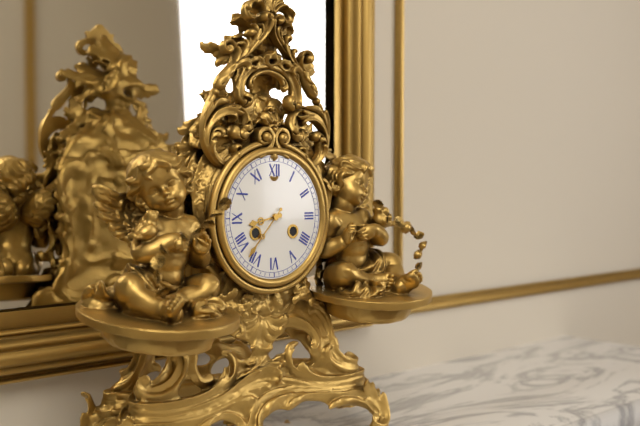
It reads 8:37
